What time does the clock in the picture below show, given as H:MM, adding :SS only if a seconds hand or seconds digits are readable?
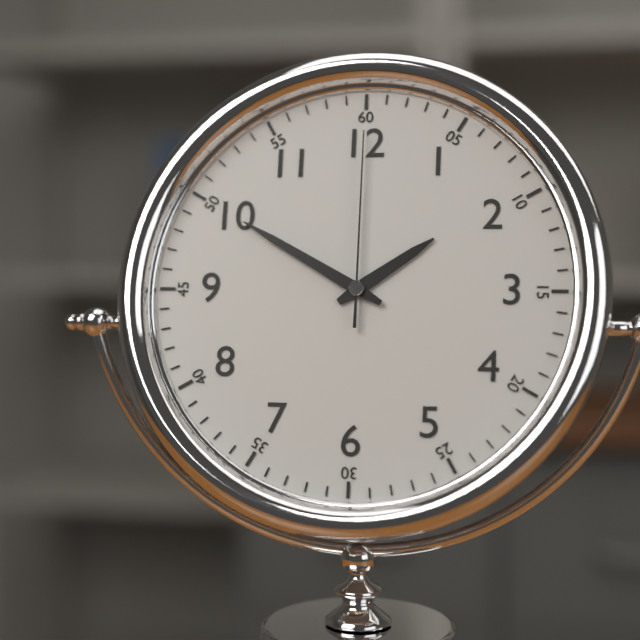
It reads 1:50:00
